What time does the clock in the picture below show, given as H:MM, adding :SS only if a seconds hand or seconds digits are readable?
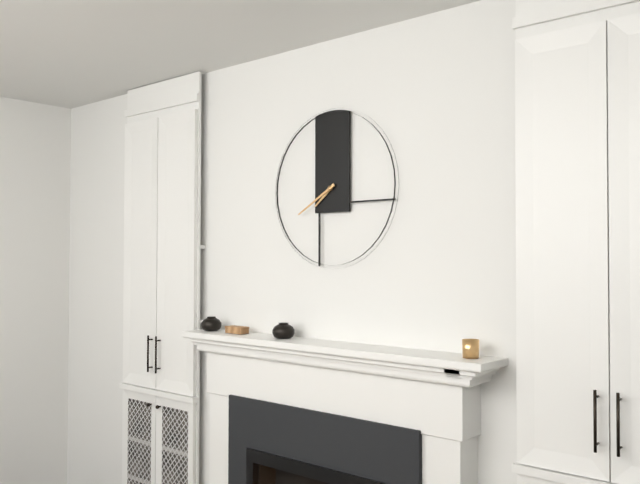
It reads 7:40
